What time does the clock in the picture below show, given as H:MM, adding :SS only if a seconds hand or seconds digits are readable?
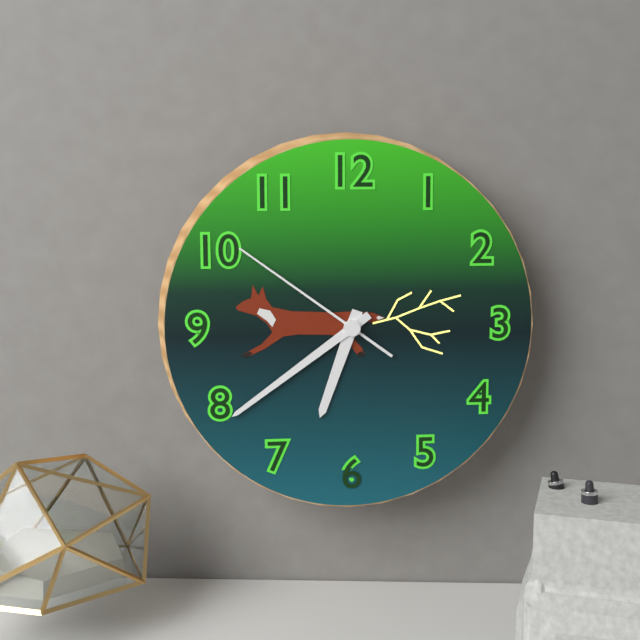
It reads 6:39:51
